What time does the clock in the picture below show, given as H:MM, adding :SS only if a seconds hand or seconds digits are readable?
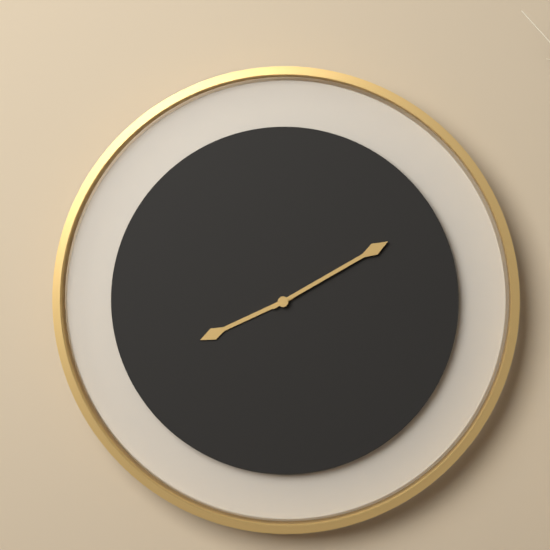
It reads 8:10
